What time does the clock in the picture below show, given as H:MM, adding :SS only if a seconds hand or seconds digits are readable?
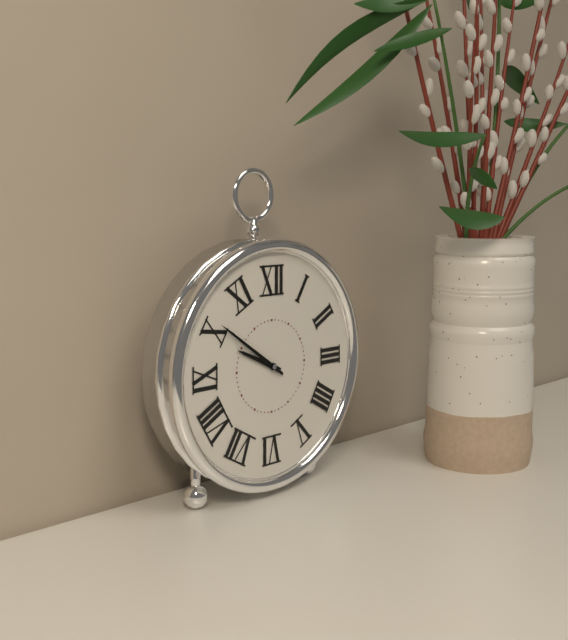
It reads 9:51
